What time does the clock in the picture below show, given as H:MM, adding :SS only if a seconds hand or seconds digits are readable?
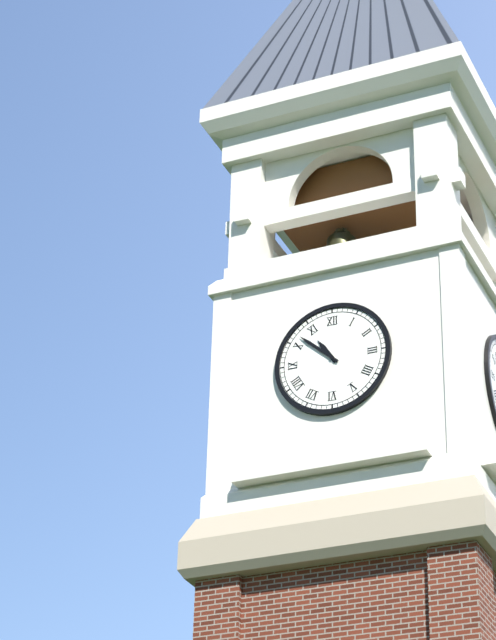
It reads 10:52
